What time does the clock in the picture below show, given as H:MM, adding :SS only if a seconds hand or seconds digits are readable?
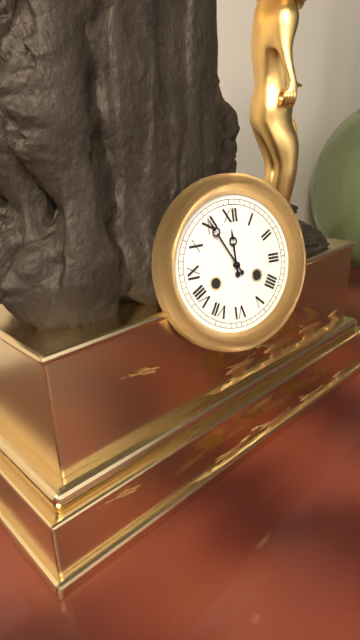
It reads 11:55
